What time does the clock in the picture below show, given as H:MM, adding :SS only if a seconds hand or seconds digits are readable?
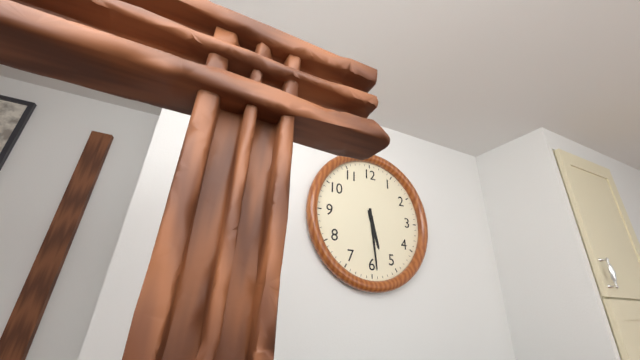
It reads 5:29
